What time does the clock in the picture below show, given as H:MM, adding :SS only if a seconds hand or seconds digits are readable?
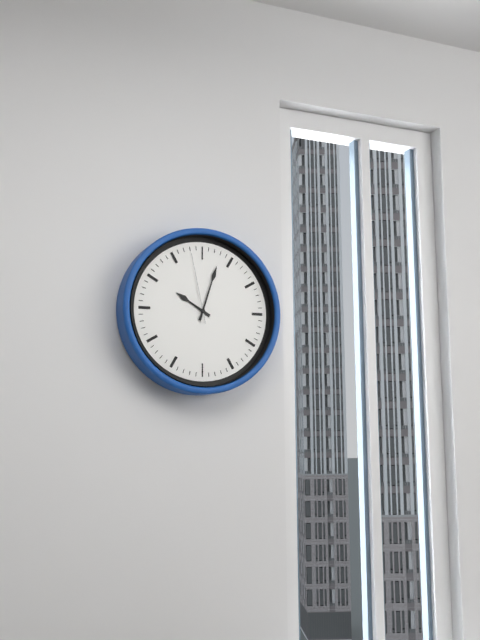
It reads 10:03:58
